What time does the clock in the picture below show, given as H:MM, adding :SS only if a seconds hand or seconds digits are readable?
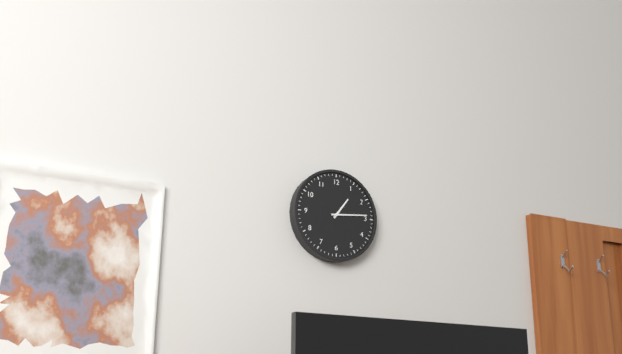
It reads 1:14
